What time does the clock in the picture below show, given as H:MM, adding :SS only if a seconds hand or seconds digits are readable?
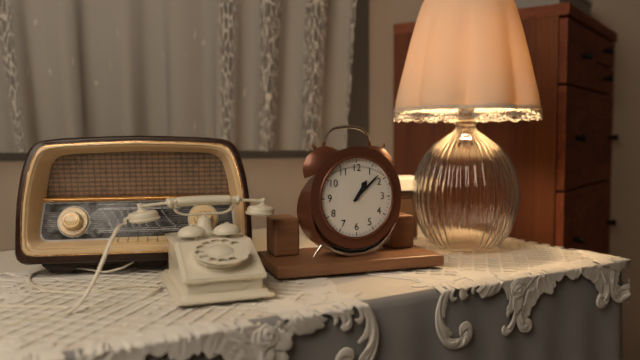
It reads 1:08
